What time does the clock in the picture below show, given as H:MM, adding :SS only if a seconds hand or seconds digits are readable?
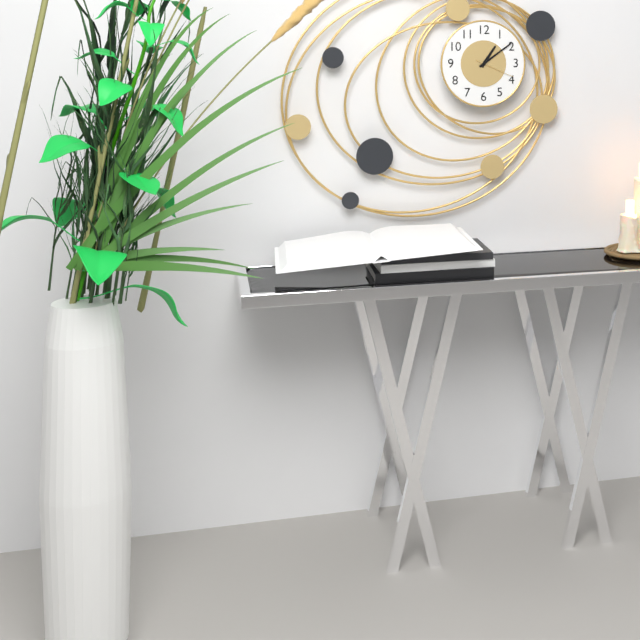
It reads 1:09
